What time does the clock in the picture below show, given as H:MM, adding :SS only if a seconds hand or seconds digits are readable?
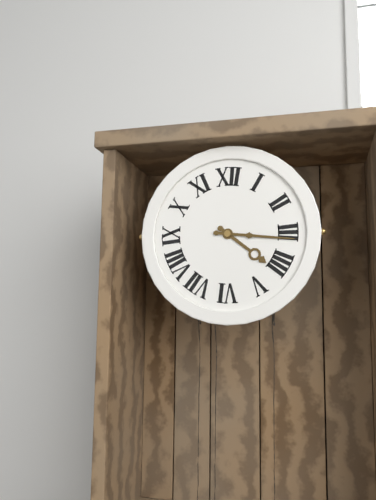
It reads 4:16
